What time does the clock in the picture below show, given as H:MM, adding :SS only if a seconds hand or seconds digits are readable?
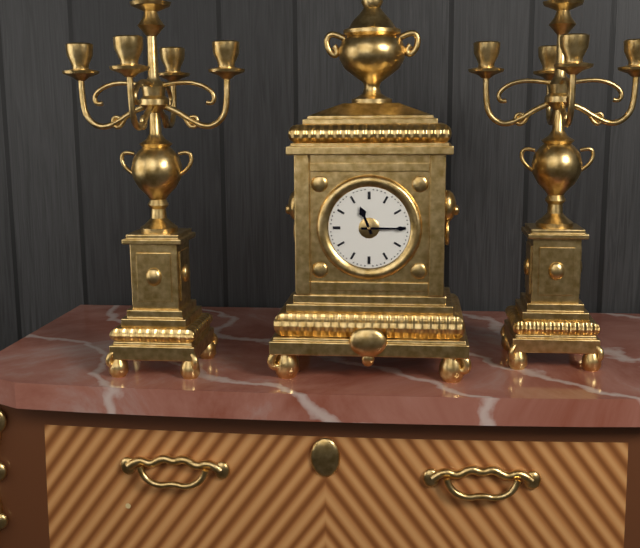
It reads 11:15
